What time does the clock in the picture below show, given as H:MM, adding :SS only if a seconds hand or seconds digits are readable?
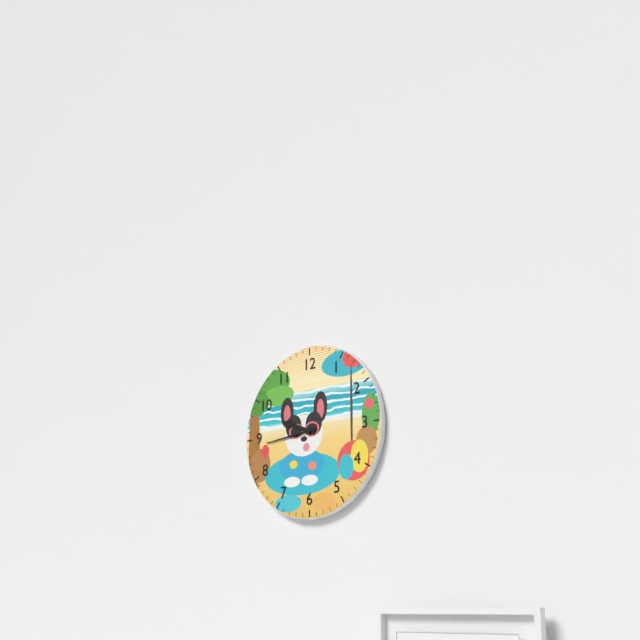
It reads 9:44
